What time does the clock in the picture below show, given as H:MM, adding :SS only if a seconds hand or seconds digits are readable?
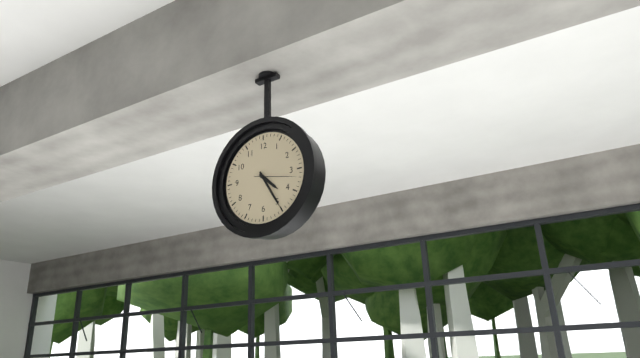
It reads 4:25
